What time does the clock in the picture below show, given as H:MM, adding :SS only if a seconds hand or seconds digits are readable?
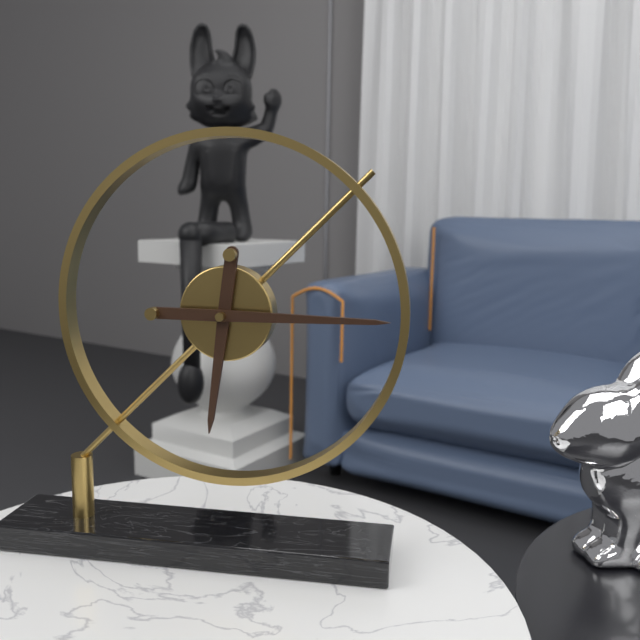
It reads 6:15
